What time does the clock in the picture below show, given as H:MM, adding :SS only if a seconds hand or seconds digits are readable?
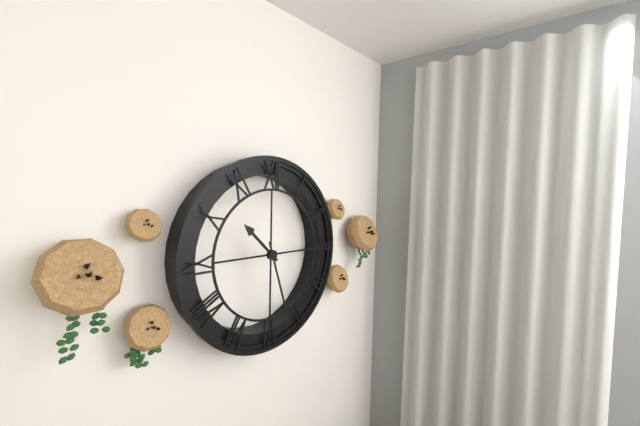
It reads 10:27
